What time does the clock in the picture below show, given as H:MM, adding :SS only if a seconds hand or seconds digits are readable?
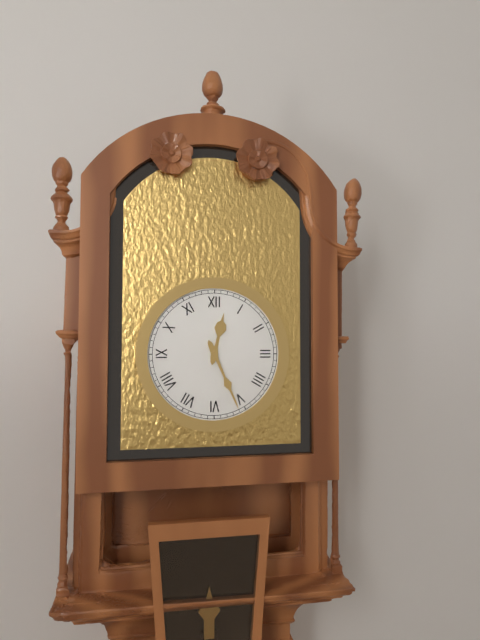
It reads 12:26
